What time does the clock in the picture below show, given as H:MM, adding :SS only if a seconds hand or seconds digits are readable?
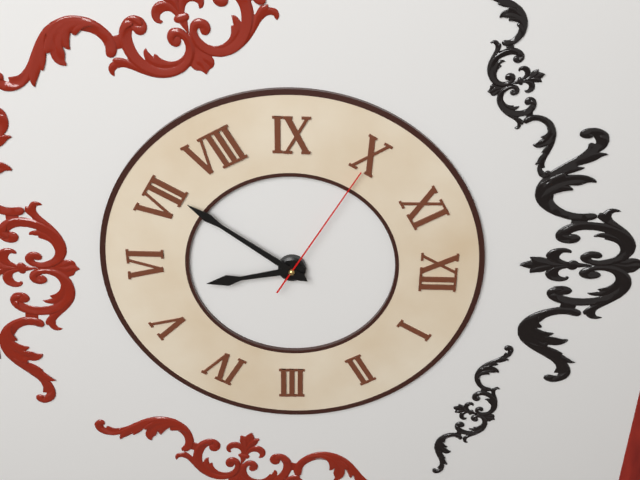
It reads 5:36:50
